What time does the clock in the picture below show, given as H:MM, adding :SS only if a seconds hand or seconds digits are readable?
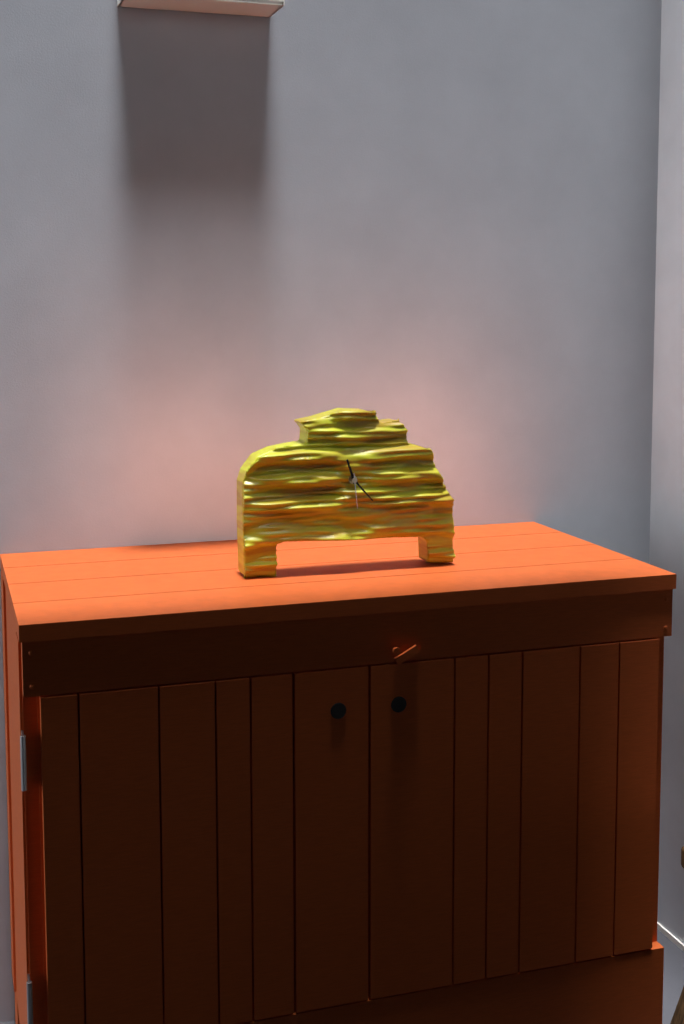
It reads 11:23
